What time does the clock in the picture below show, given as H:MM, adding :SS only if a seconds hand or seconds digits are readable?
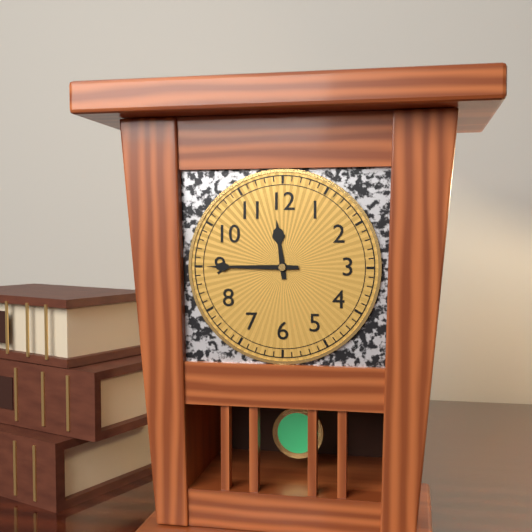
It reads 11:45
